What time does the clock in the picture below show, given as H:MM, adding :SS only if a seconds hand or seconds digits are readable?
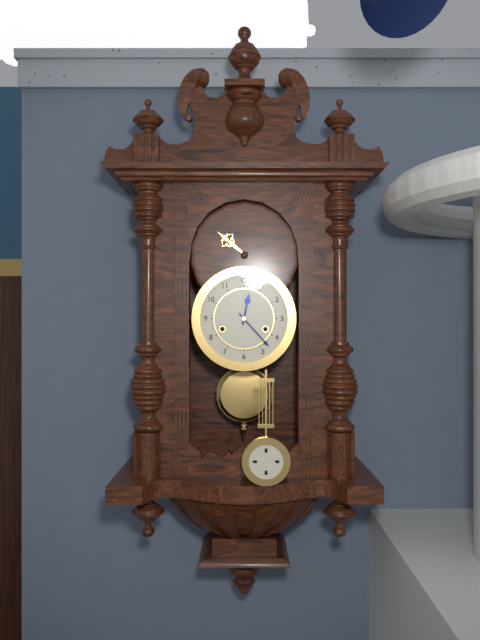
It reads 12:23
